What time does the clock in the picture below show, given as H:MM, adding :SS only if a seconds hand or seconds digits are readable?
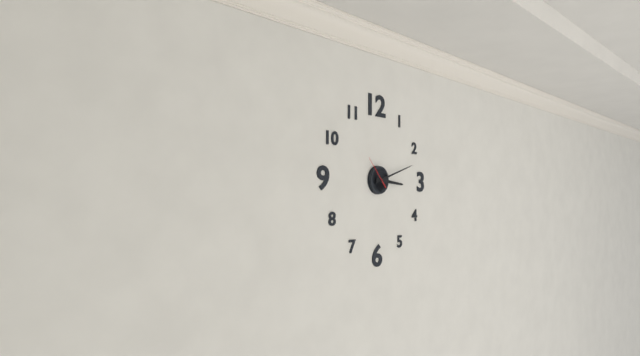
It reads 3:12
